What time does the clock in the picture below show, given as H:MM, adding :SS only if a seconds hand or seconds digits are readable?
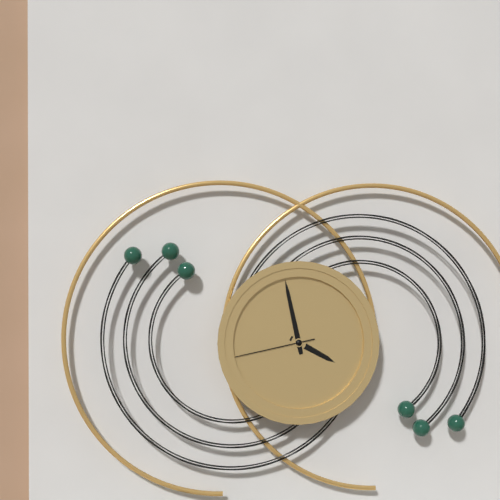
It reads 3:58:43
